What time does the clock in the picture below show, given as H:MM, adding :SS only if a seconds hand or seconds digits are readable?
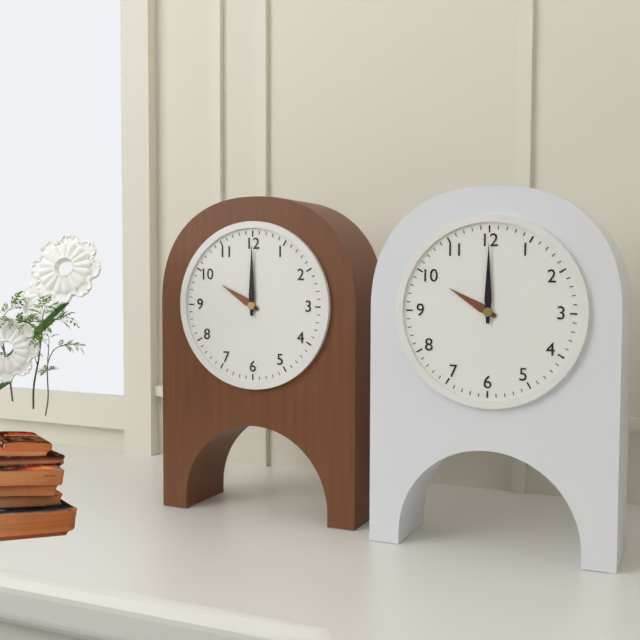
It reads 10:00
